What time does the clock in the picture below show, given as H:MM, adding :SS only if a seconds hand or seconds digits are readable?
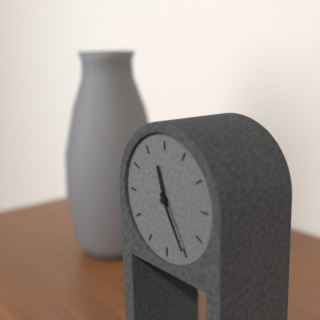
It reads 11:25
